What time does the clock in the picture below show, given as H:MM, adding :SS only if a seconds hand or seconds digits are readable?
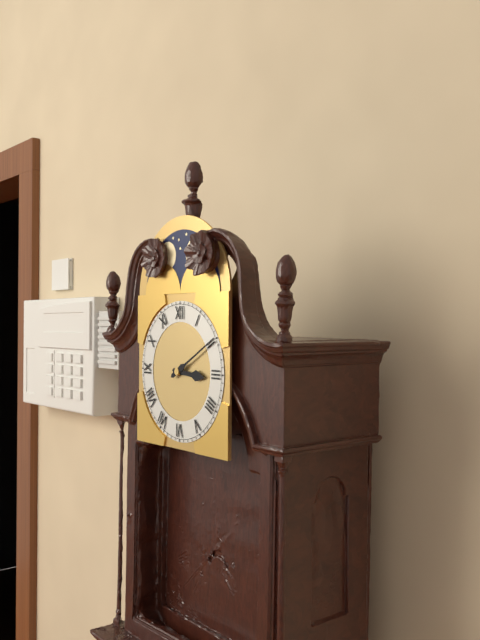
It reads 3:10
